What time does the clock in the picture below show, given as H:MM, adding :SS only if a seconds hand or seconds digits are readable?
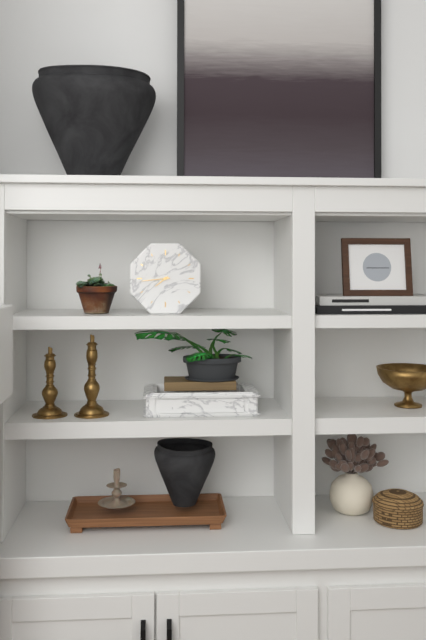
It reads 7:44
